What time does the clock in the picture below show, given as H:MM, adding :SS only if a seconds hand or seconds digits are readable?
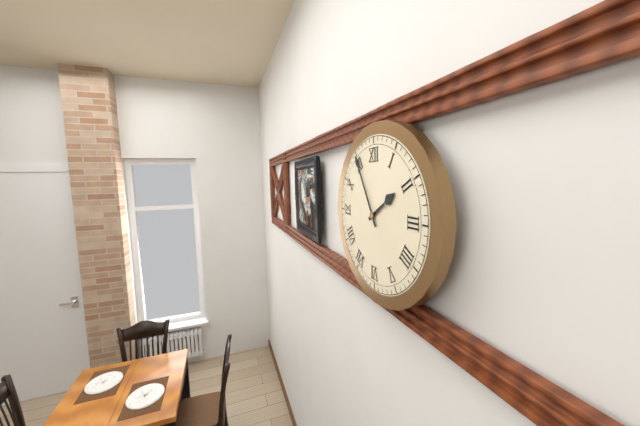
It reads 1:55
